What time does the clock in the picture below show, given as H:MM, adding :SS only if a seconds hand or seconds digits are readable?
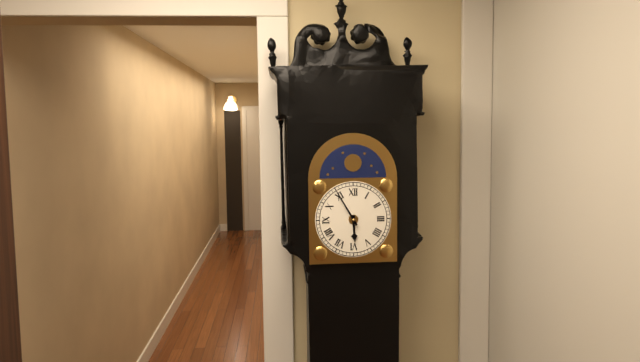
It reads 5:55
